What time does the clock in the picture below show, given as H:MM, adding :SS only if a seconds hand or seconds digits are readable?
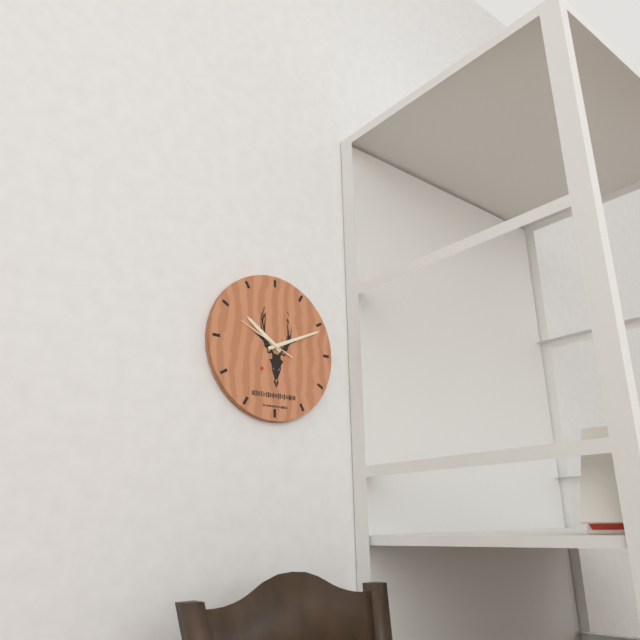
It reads 10:11
